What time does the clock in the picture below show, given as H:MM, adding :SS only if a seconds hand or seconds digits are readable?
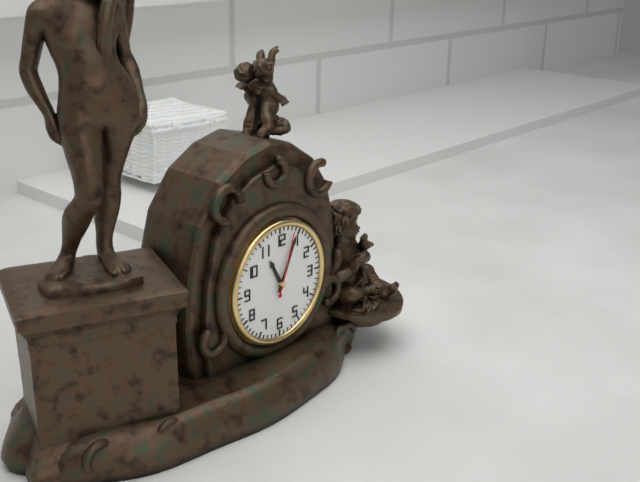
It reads 11:04:03
